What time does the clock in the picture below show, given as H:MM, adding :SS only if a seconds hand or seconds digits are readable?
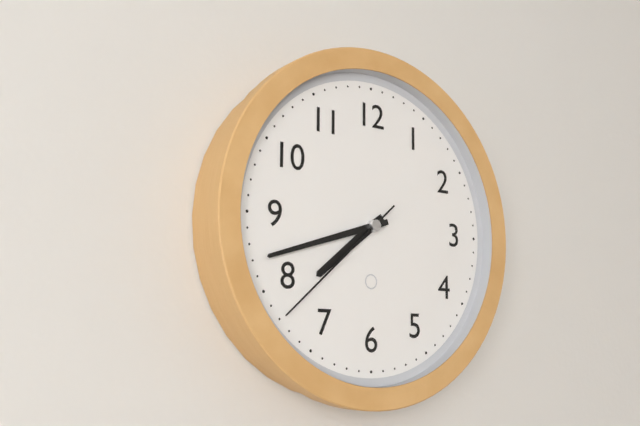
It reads 7:42:38
